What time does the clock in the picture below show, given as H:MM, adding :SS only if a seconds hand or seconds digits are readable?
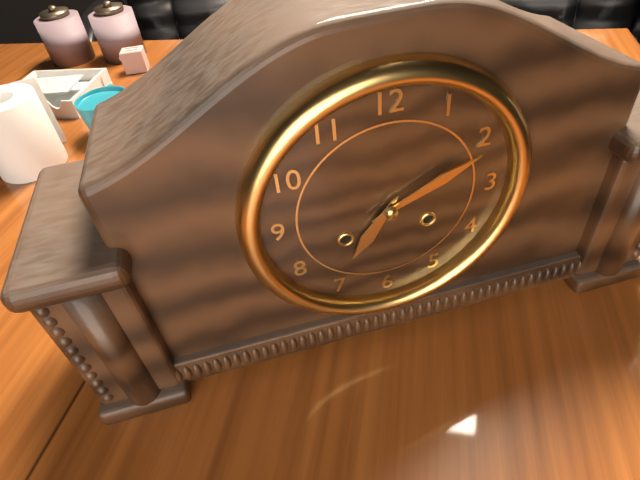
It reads 7:11
